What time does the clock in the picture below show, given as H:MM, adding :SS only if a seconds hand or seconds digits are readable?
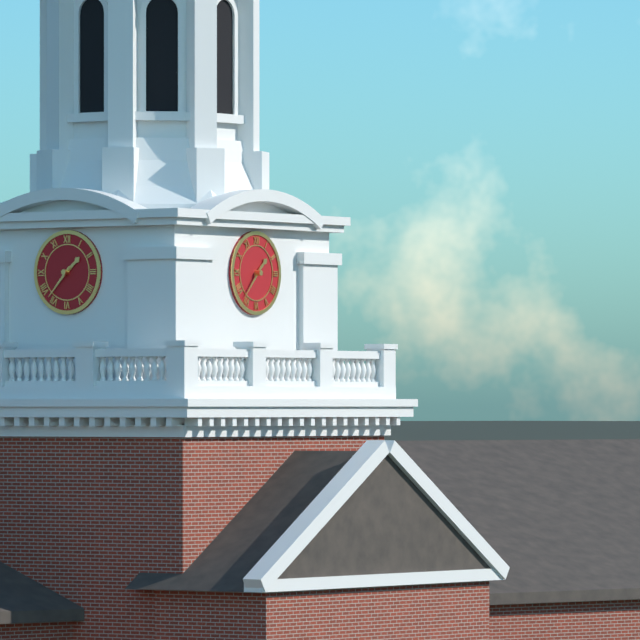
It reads 1:37
